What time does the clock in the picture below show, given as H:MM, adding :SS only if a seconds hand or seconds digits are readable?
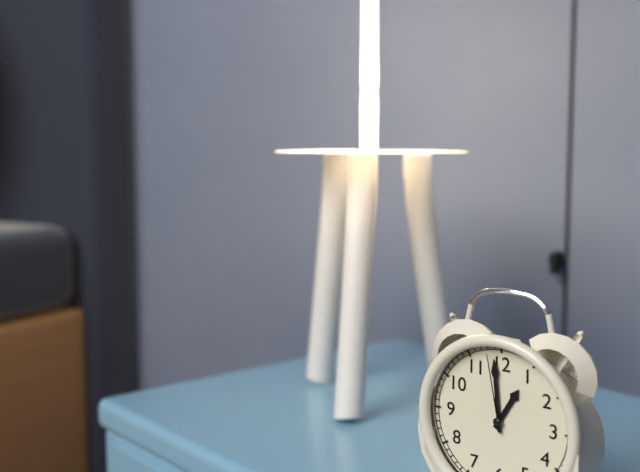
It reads 12:59:58
